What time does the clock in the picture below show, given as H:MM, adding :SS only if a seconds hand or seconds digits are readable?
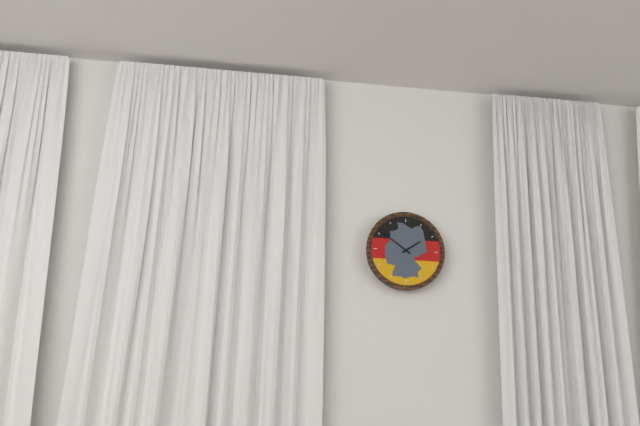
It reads 1:51
